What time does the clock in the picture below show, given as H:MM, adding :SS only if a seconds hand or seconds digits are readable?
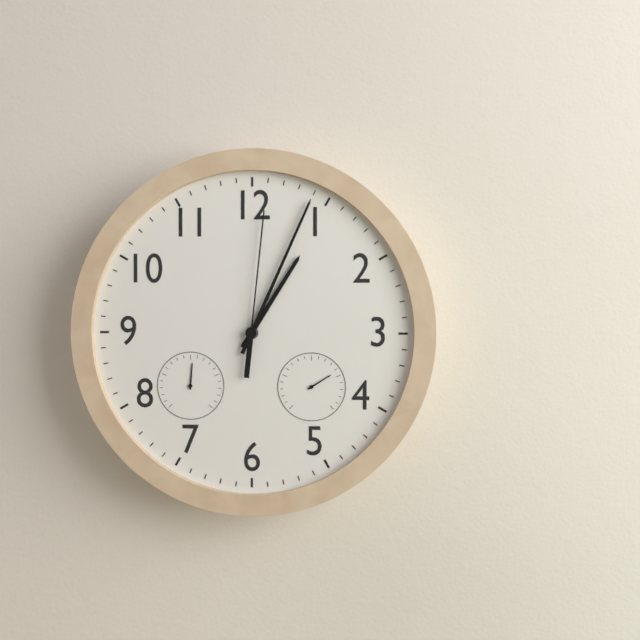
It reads 1:04:01
